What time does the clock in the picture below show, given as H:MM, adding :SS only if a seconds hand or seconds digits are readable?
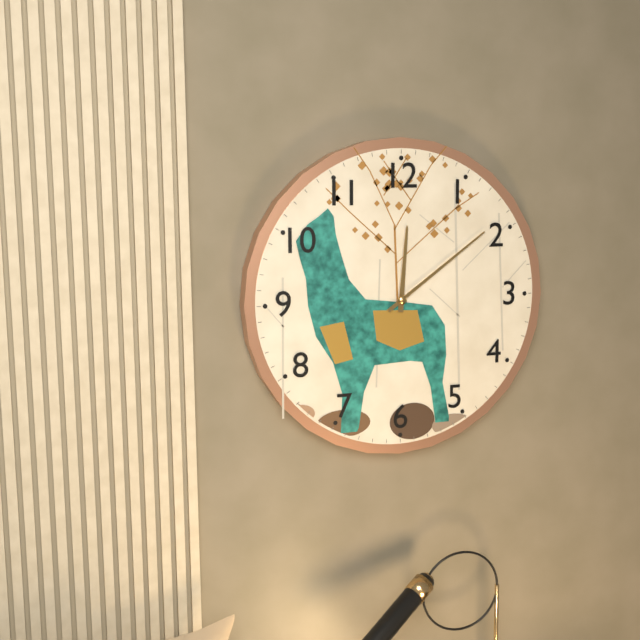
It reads 12:09
